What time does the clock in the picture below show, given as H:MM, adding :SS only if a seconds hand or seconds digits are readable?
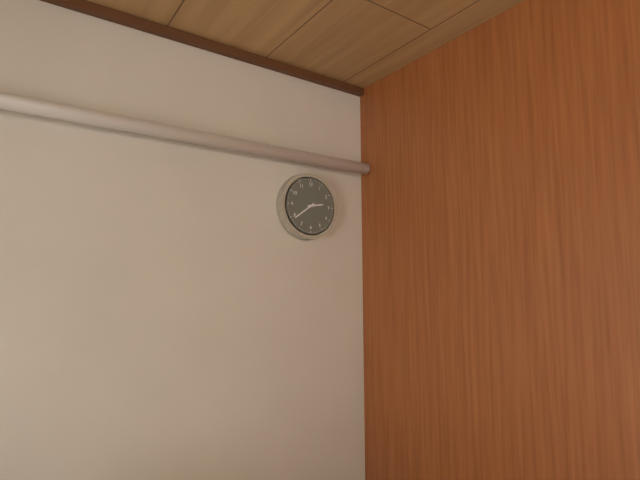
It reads 2:39
